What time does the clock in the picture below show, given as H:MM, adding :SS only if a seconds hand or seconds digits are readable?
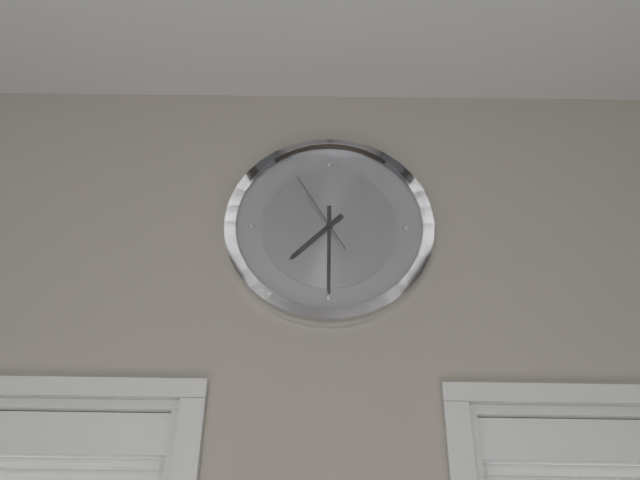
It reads 7:30:55
